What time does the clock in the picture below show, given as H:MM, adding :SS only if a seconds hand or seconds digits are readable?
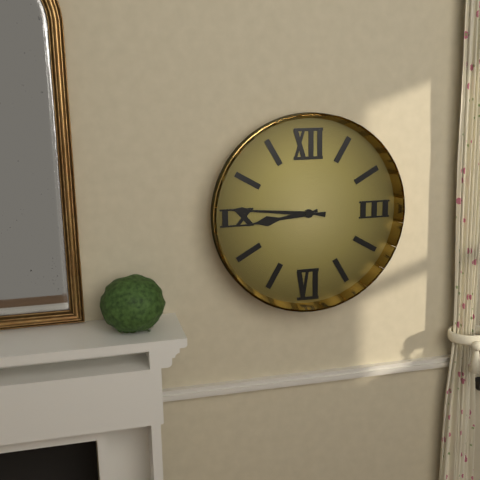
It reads 8:46
